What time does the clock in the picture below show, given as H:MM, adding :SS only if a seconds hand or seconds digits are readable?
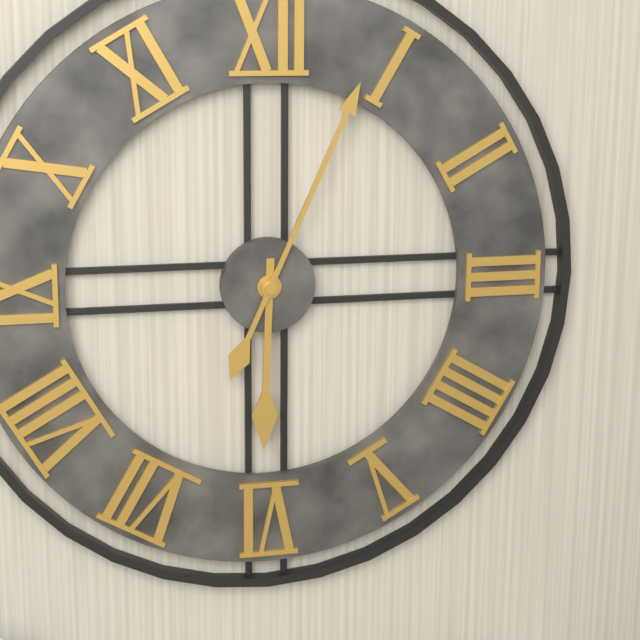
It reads 6:04
